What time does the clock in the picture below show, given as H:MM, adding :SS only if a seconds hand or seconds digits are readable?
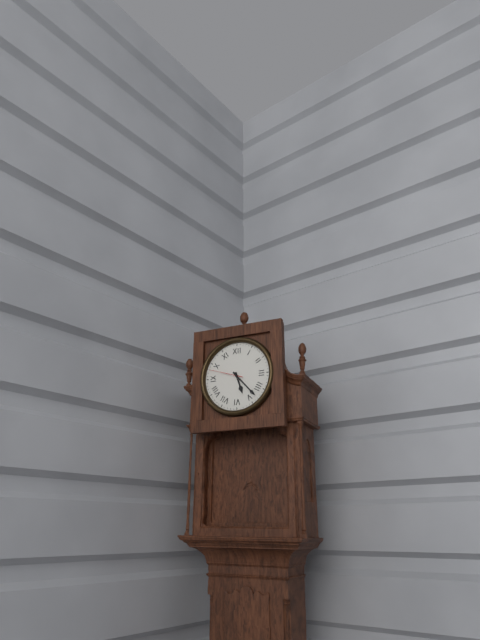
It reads 5:23
